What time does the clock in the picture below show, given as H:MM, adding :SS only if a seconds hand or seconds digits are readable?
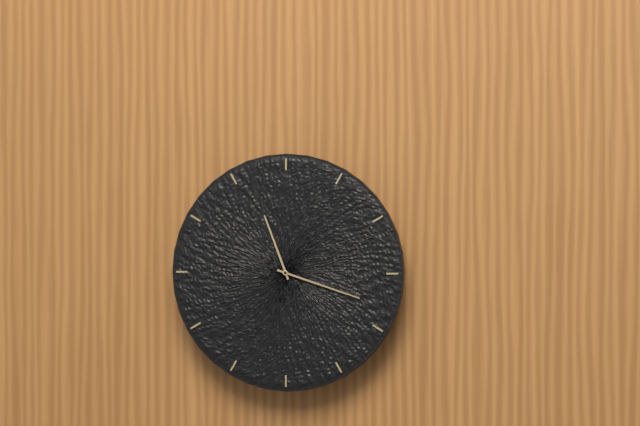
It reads 11:18
